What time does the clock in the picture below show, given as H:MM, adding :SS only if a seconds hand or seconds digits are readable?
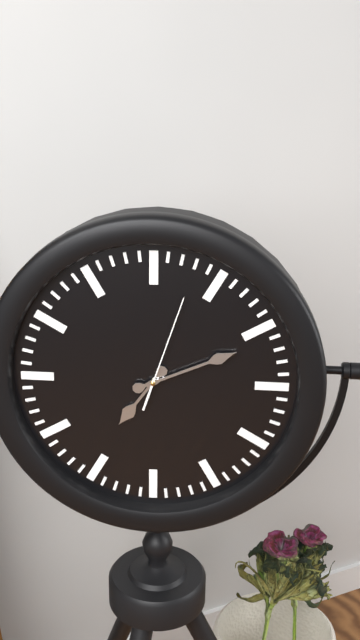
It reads 7:11:03
